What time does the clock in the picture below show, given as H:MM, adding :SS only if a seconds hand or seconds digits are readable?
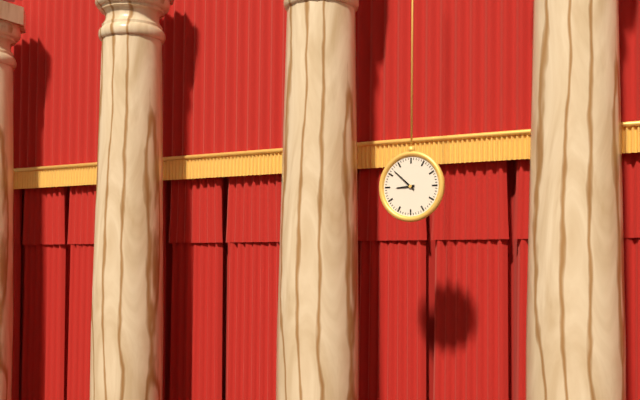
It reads 8:52
